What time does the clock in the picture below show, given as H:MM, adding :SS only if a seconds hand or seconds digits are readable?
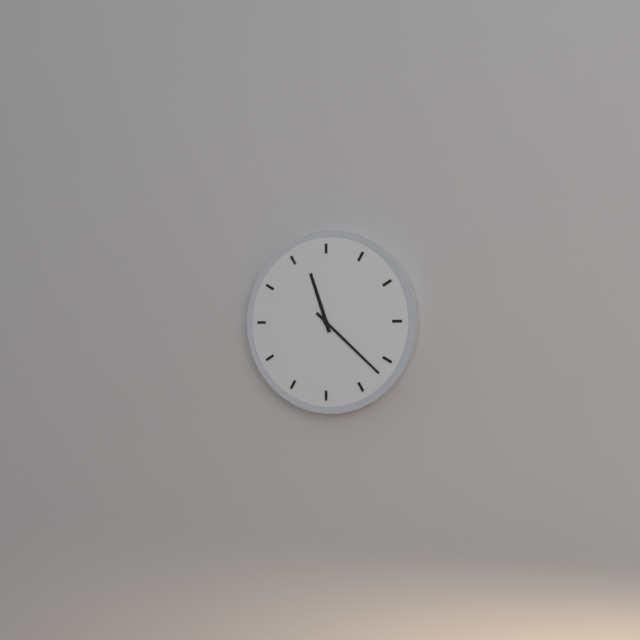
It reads 11:22
